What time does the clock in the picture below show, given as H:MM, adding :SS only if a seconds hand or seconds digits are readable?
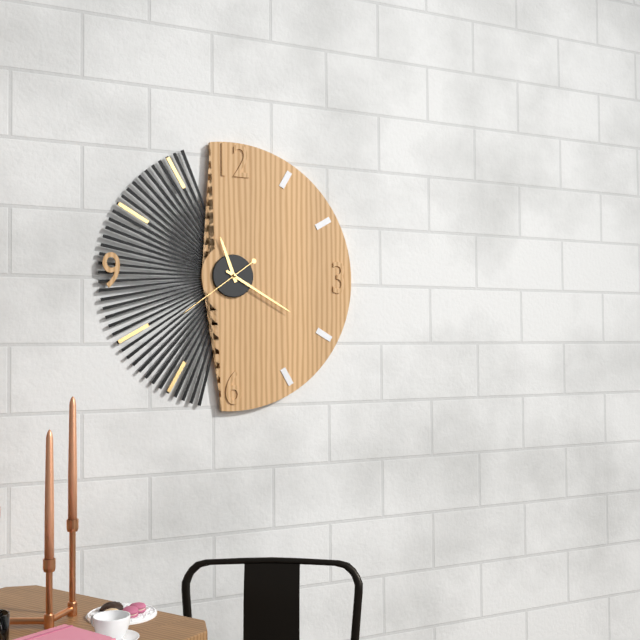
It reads 11:20:39
